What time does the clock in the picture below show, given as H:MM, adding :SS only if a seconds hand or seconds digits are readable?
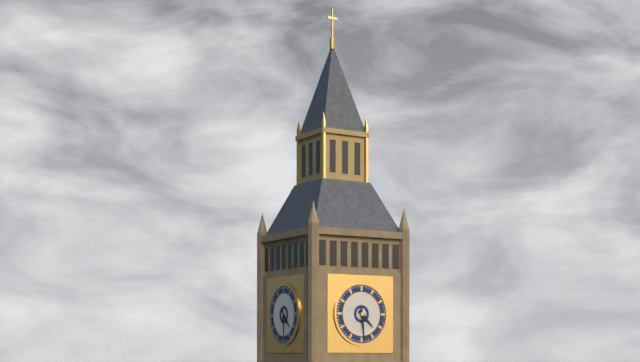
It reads 4:29
